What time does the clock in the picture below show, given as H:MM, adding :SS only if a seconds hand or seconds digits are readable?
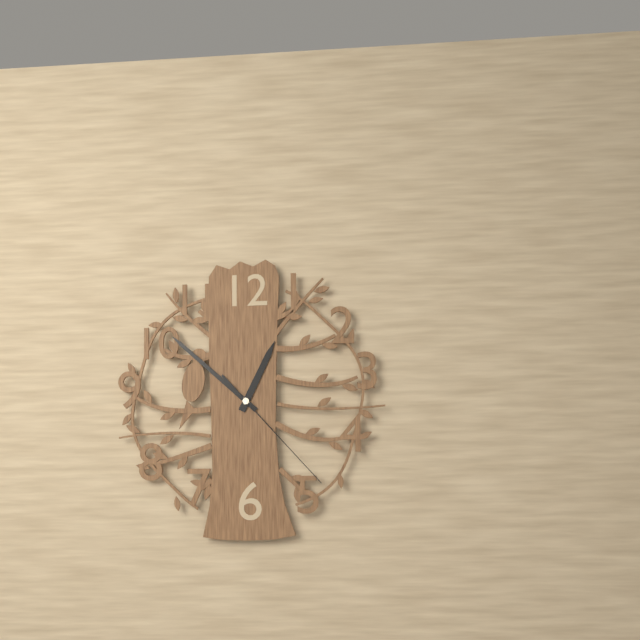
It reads 12:52:23
